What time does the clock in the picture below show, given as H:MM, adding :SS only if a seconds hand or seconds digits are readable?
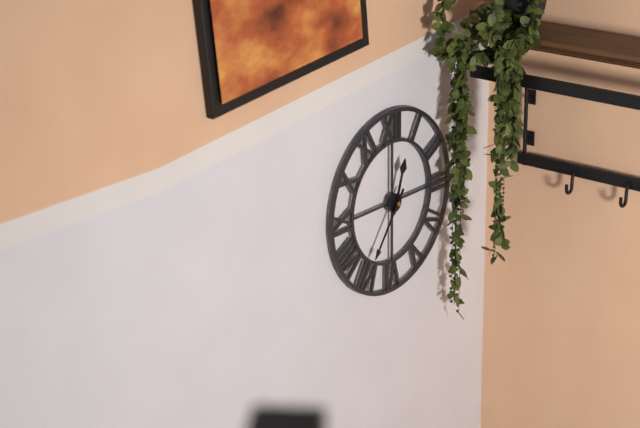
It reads 12:36
